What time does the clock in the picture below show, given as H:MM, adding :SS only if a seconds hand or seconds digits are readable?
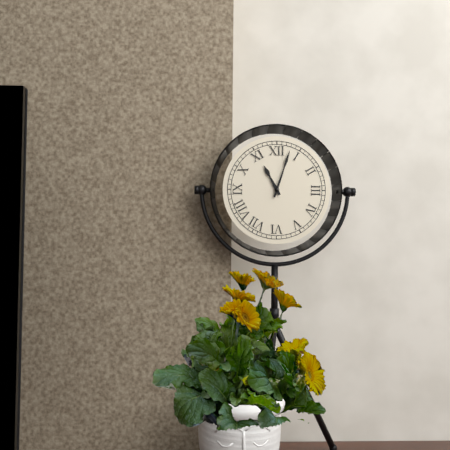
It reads 11:03
